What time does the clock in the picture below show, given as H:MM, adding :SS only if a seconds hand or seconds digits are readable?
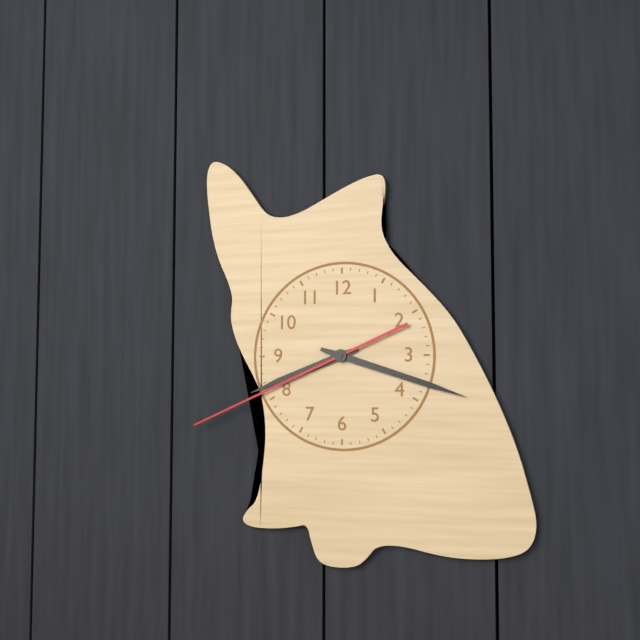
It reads 8:18:41
